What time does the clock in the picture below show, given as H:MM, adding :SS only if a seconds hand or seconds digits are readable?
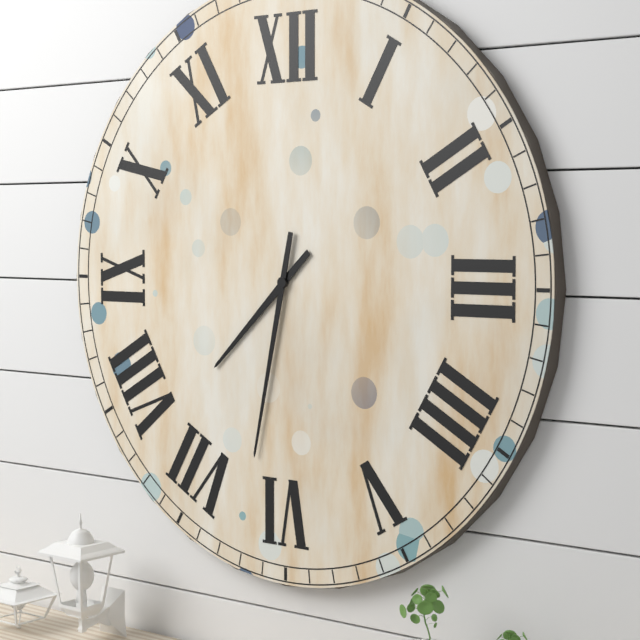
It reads 7:32
